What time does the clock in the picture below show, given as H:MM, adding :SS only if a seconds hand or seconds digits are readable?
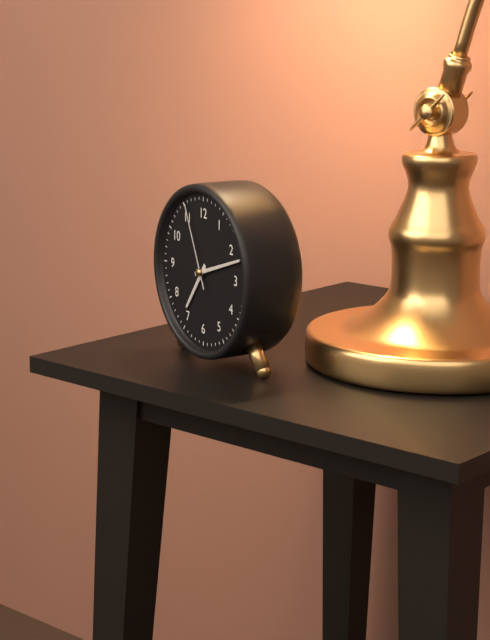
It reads 7:12:56
